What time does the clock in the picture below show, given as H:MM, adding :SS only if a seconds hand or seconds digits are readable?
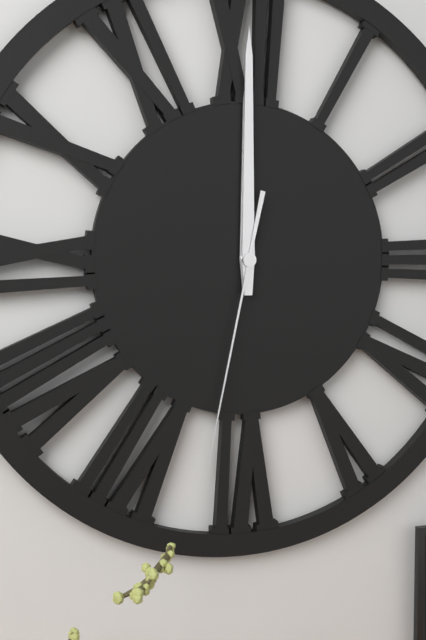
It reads 12:00:32
